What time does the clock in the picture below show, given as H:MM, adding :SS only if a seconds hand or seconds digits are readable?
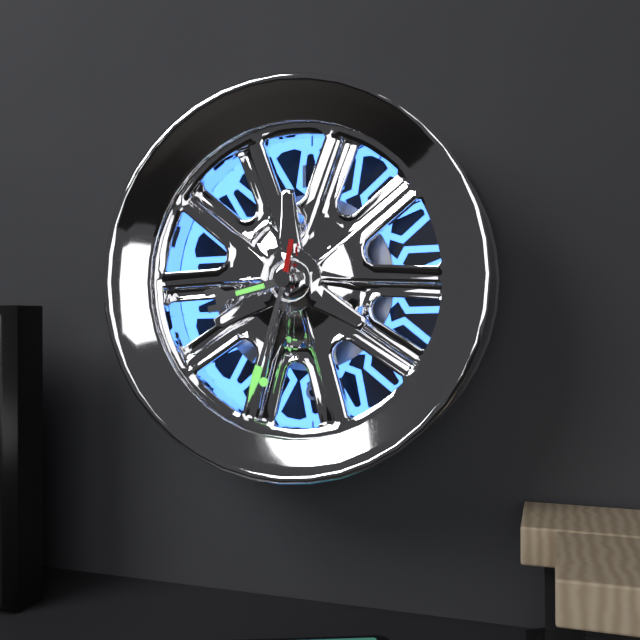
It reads 8:33:32
